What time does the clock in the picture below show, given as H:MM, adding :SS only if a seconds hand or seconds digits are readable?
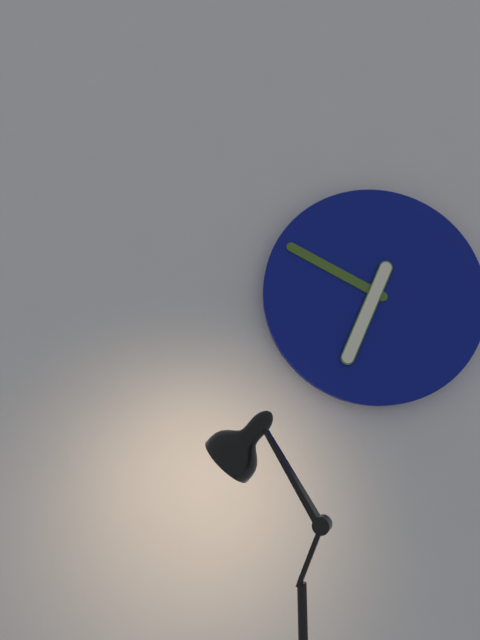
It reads 6:50
